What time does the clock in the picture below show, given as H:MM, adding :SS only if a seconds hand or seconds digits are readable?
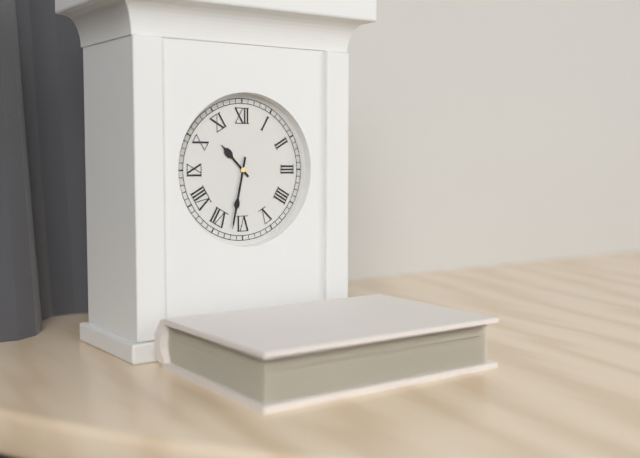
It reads 10:32
